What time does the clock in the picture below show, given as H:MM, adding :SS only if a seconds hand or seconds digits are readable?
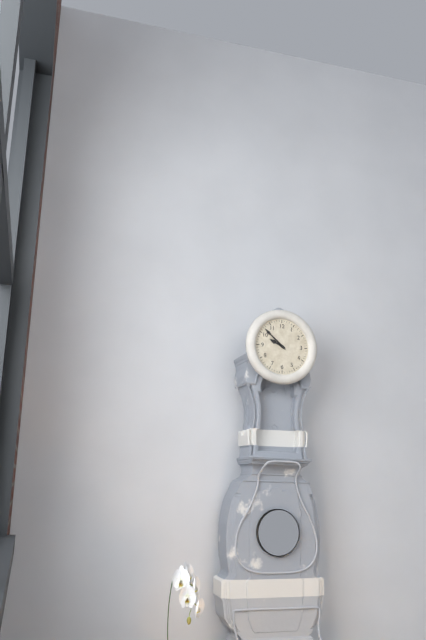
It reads 9:52
